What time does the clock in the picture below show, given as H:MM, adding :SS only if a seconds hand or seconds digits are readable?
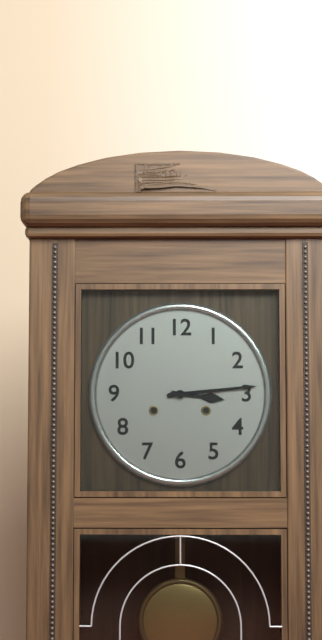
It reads 3:14
